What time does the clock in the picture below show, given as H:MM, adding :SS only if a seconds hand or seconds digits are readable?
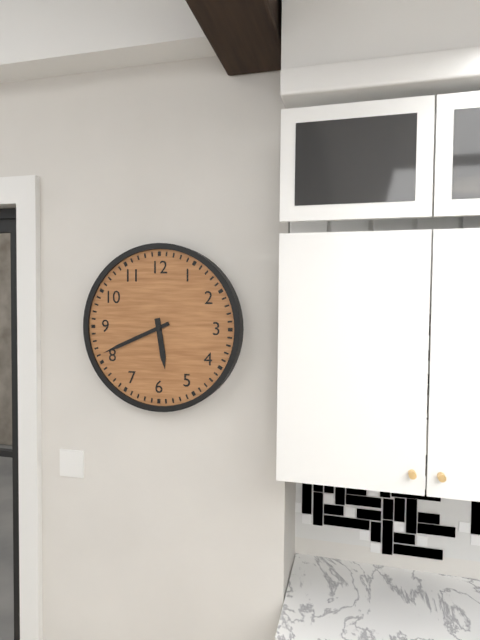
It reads 5:41
